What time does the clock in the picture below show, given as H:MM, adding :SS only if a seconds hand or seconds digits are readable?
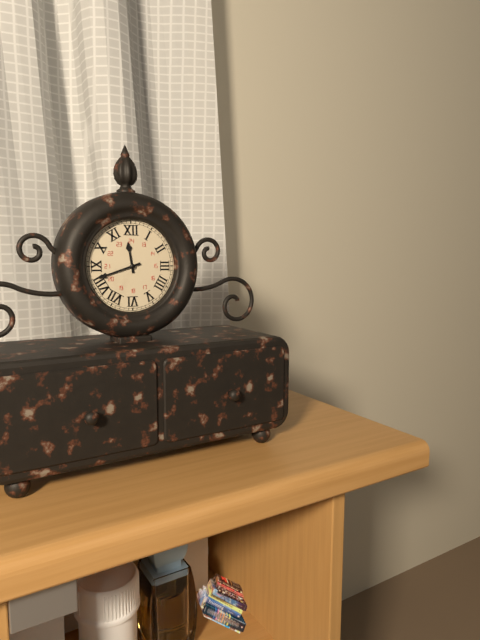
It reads 11:42
